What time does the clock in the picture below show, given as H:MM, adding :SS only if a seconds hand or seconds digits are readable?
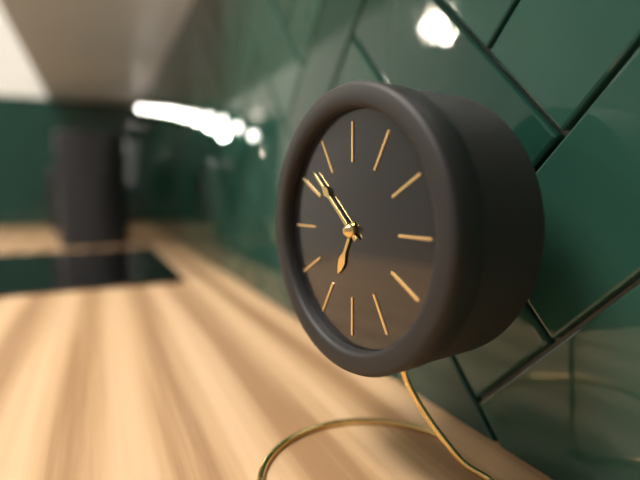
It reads 6:52
